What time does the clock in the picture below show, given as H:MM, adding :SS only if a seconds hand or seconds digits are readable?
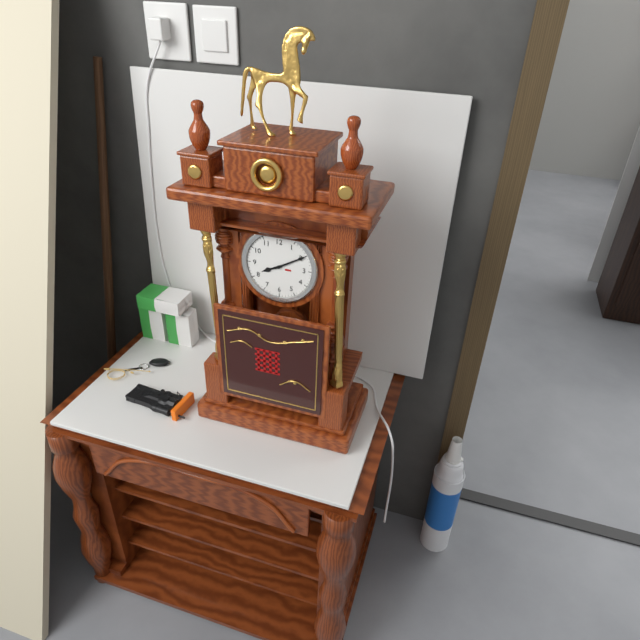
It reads 8:10
